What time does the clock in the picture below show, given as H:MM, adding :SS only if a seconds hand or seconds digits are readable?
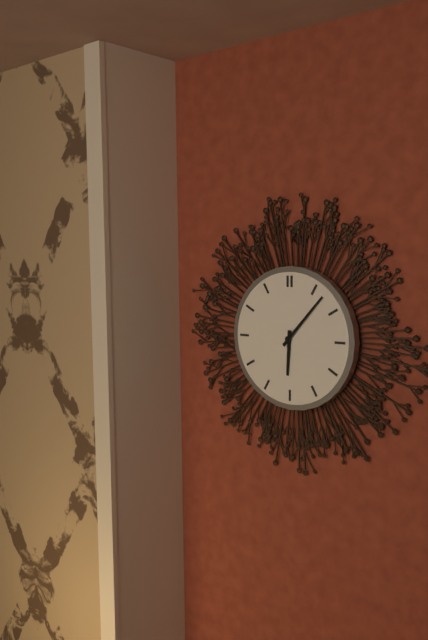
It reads 6:07
